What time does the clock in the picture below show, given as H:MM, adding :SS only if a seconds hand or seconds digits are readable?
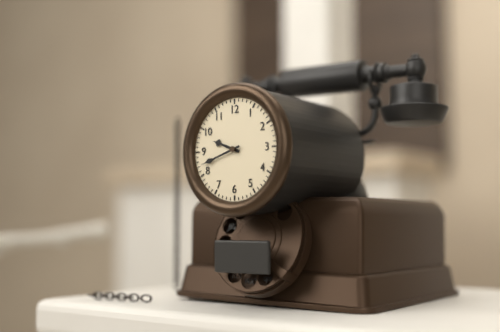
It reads 9:42
